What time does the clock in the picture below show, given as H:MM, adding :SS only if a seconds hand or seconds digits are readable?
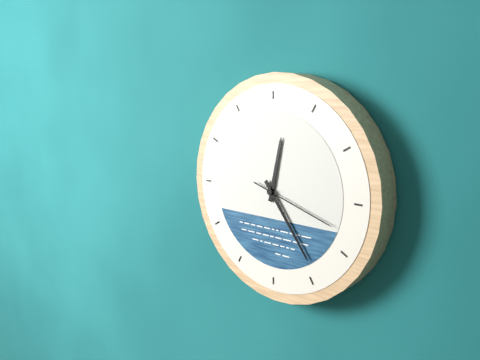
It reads 12:24:18
